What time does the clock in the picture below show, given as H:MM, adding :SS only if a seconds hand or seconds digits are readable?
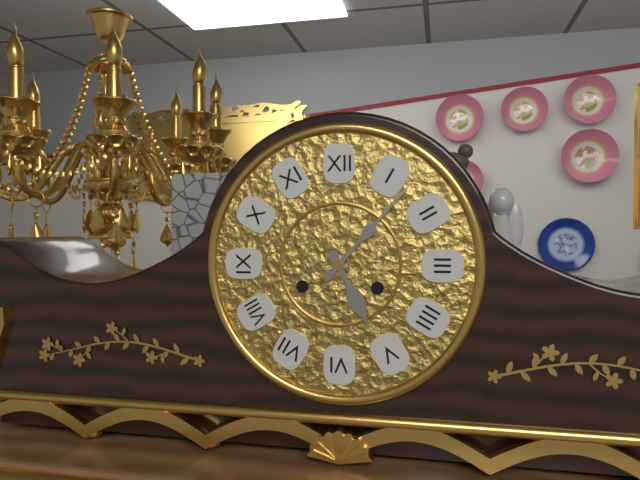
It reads 5:07
